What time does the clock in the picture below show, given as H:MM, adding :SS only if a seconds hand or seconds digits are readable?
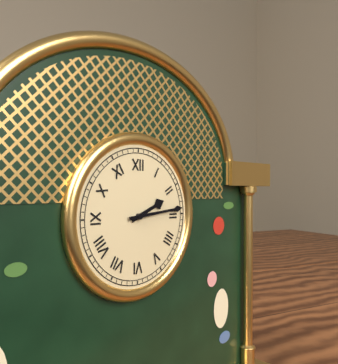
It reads 2:14
